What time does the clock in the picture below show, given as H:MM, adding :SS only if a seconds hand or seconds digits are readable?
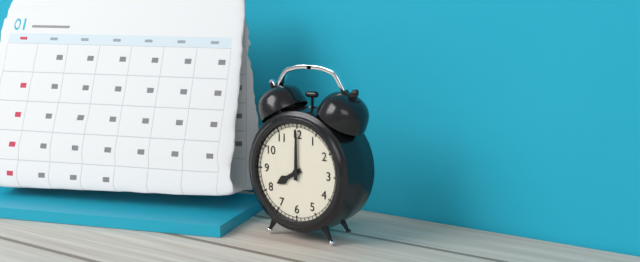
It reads 8:00
